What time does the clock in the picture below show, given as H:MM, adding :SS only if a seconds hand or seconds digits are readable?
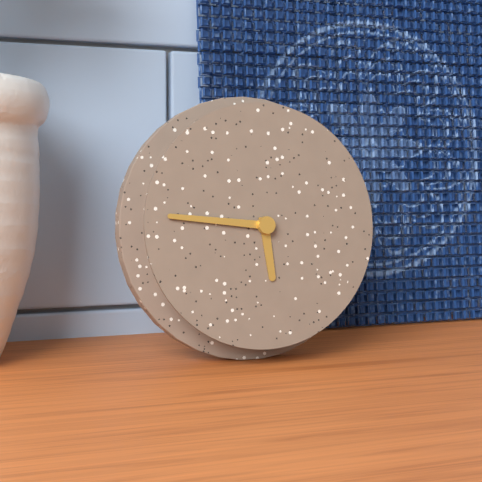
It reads 5:46
